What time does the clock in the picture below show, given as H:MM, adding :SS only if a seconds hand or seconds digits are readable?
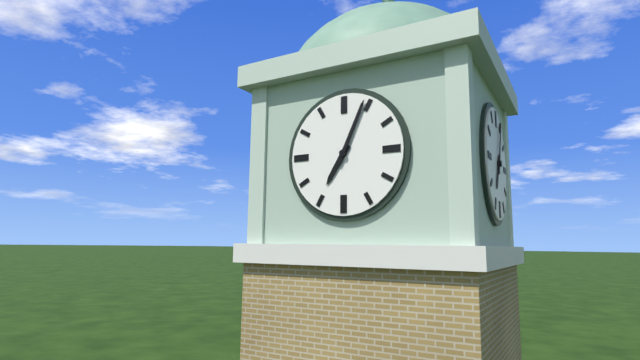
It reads 7:04
